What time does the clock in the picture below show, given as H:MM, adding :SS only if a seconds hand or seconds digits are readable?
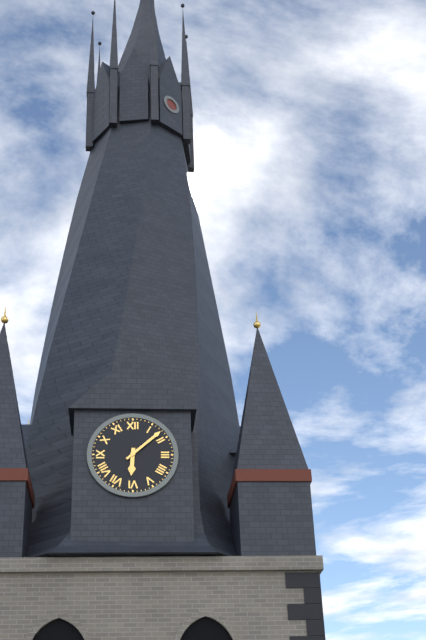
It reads 6:08
